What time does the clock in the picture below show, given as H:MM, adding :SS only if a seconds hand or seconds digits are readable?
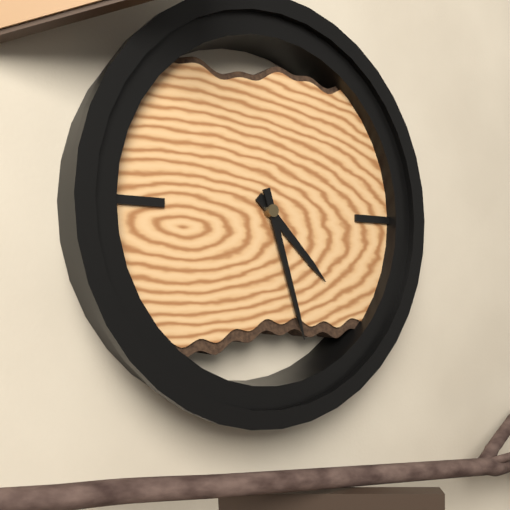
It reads 4:27
